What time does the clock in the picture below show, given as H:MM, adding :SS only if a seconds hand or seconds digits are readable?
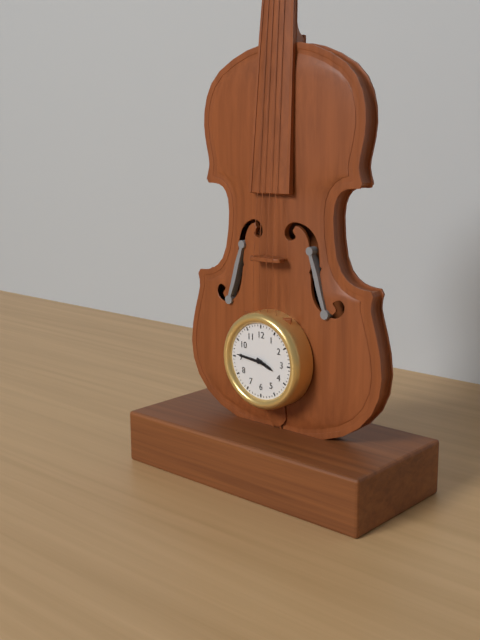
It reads 3:46
